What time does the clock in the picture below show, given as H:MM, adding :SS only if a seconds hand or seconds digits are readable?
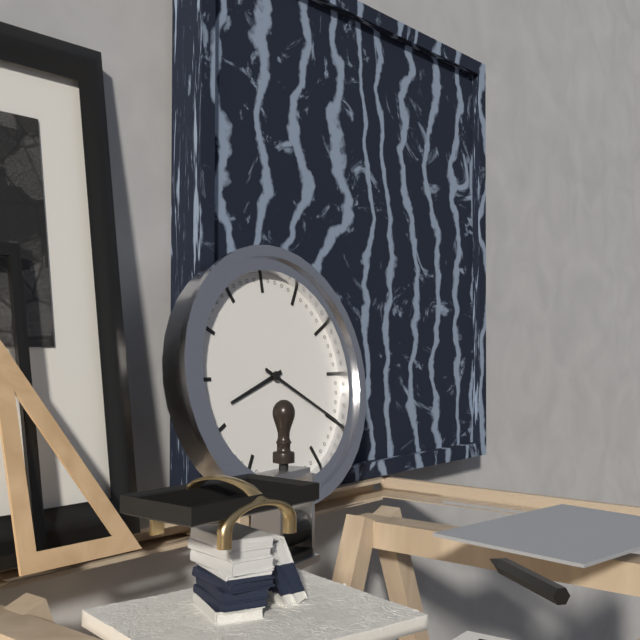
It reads 8:20
